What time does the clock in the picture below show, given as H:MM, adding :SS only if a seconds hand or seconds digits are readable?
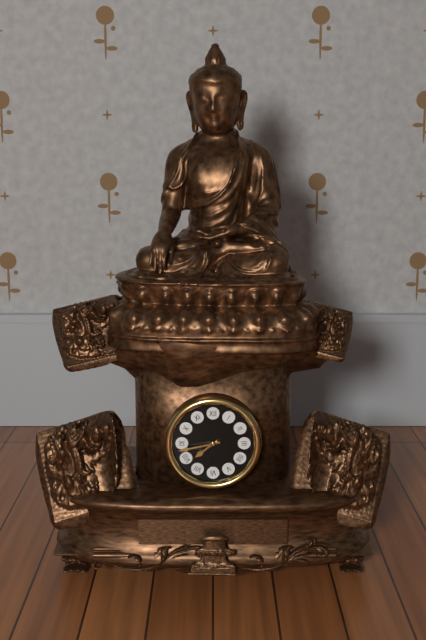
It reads 7:43
